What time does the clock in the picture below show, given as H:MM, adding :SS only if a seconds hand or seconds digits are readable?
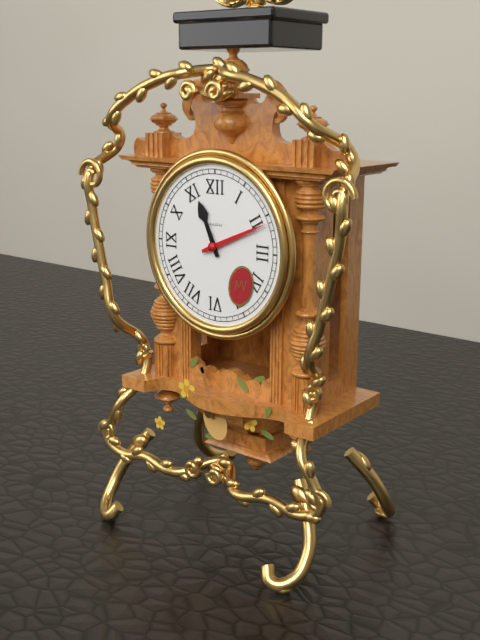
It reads 11:11
